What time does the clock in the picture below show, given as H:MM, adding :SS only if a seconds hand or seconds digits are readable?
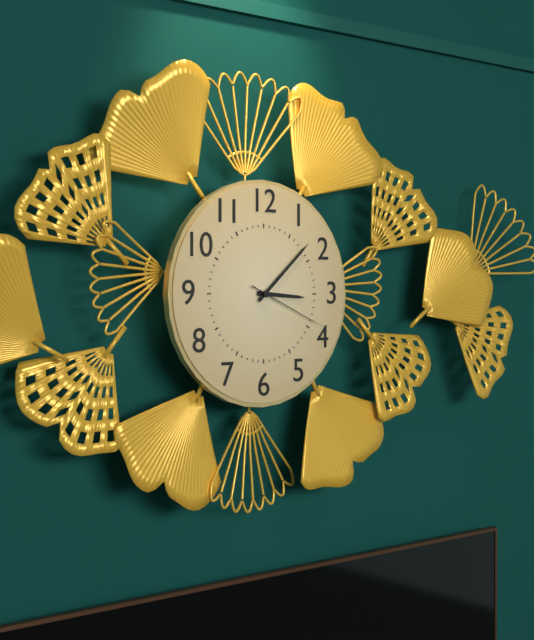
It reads 3:08:19
